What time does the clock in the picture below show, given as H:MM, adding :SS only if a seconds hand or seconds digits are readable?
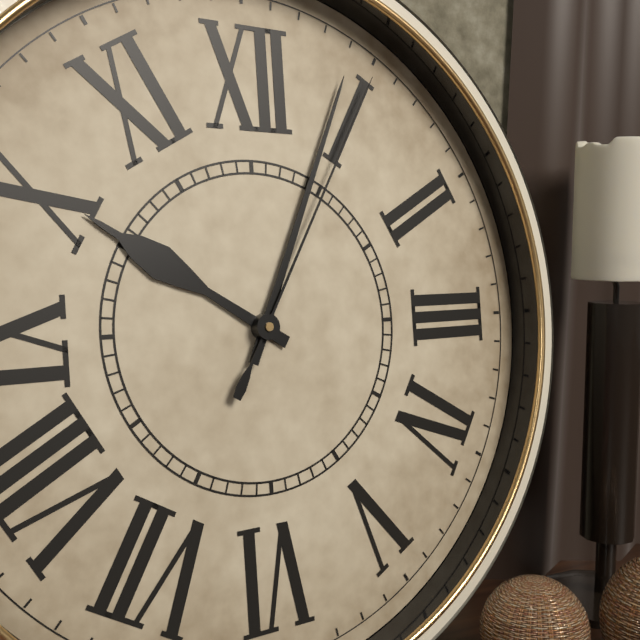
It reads 10:04:05
